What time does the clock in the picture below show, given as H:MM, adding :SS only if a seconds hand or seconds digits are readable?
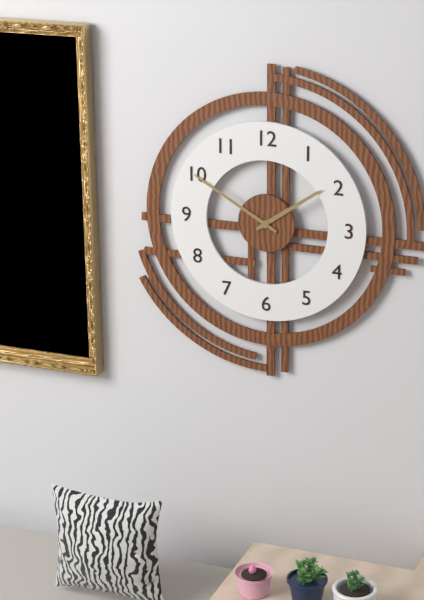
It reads 1:50
